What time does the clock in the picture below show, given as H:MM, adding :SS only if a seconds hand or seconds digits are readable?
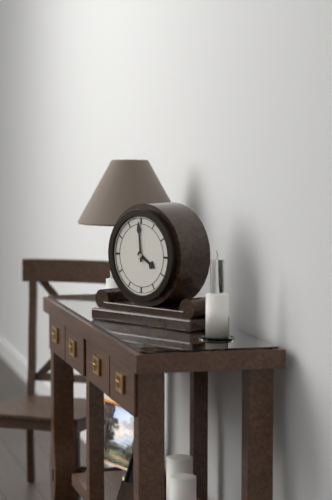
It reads 3:59
